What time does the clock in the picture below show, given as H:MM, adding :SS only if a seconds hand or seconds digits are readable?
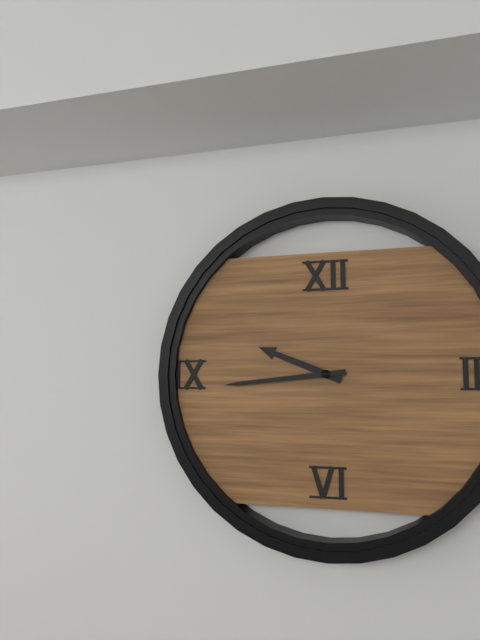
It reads 9:44
